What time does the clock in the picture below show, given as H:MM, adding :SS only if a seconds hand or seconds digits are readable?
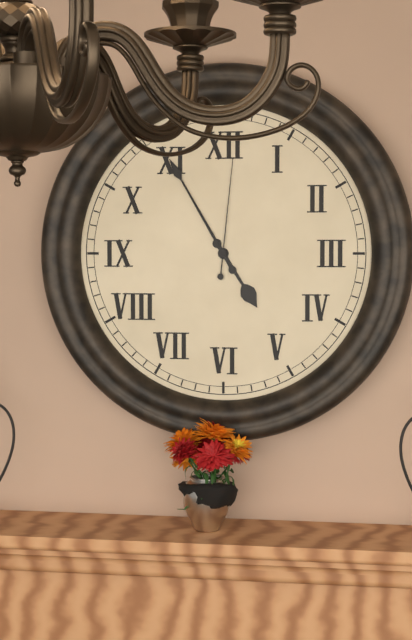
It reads 4:55:01
